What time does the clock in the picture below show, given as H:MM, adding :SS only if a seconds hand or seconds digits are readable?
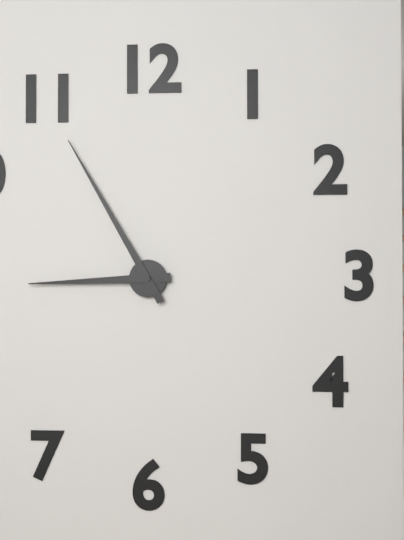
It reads 8:55
